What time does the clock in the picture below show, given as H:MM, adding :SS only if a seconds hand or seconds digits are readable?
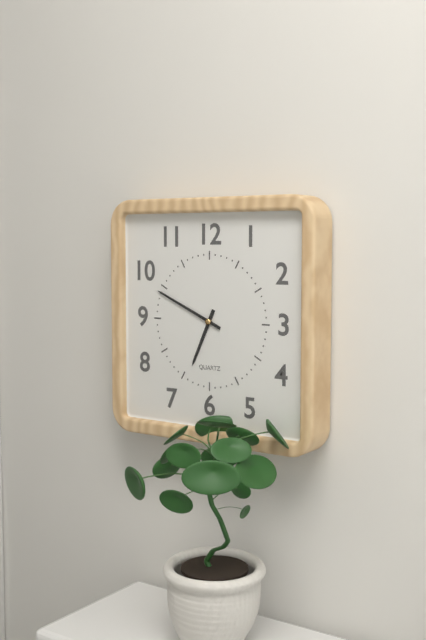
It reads 6:49
